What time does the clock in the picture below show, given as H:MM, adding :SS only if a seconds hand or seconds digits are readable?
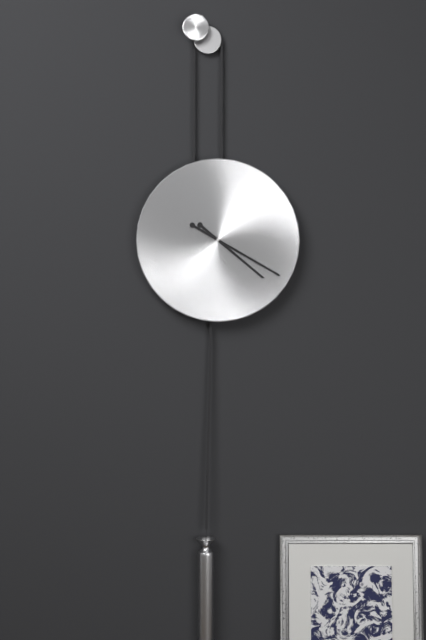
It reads 4:20
